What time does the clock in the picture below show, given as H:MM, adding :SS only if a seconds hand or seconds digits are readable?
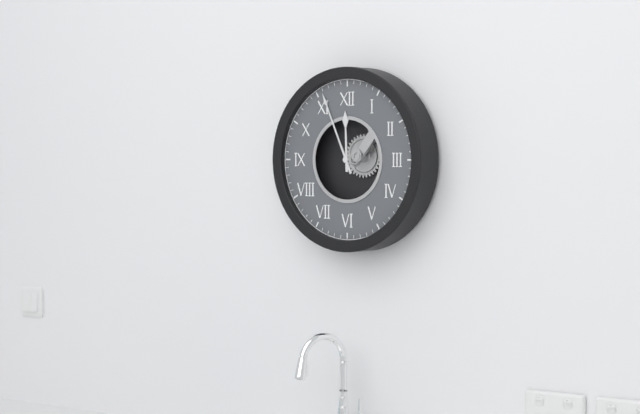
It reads 11:56
